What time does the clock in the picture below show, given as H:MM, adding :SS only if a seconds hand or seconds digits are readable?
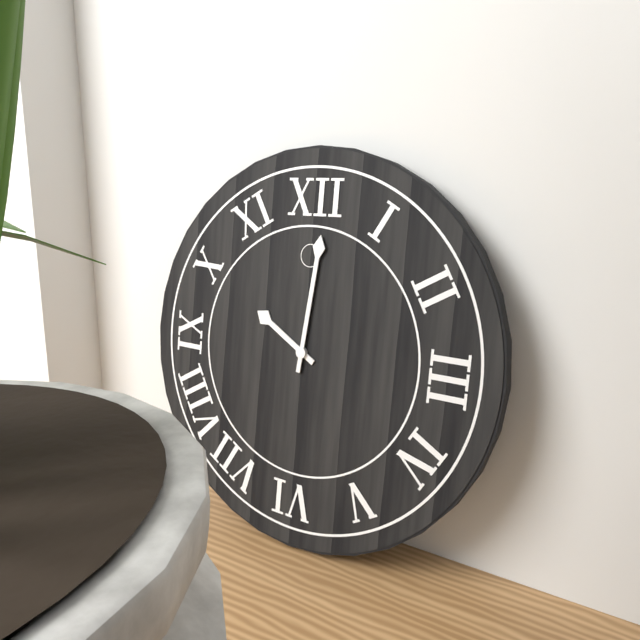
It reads 10:01
